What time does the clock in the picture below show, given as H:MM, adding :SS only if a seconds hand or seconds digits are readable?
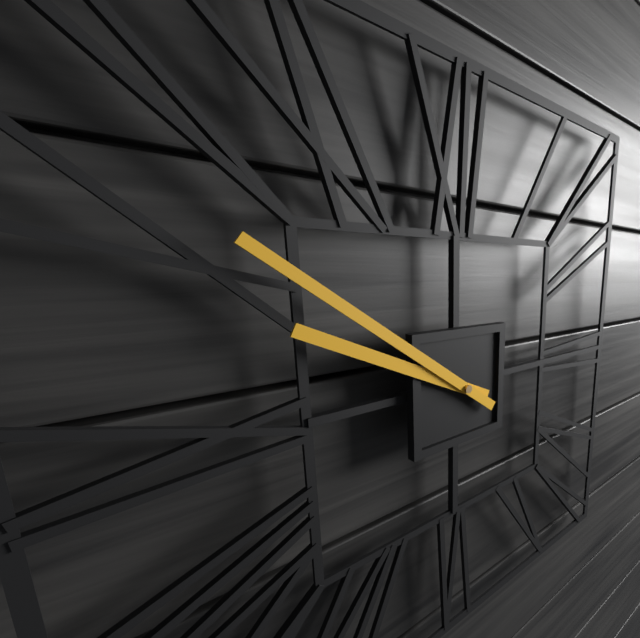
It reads 9:51
